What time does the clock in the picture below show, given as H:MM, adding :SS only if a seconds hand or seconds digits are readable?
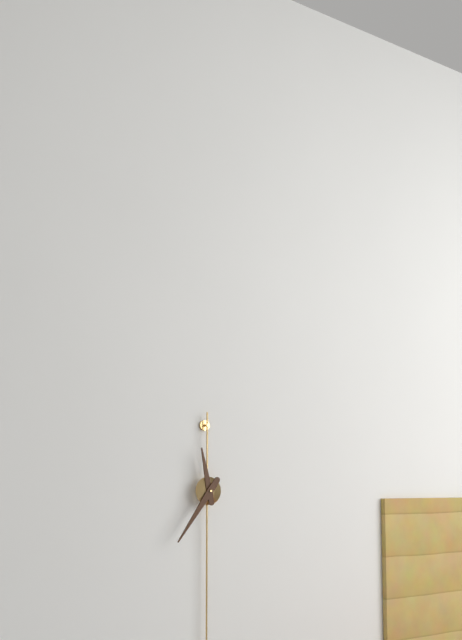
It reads 11:36
